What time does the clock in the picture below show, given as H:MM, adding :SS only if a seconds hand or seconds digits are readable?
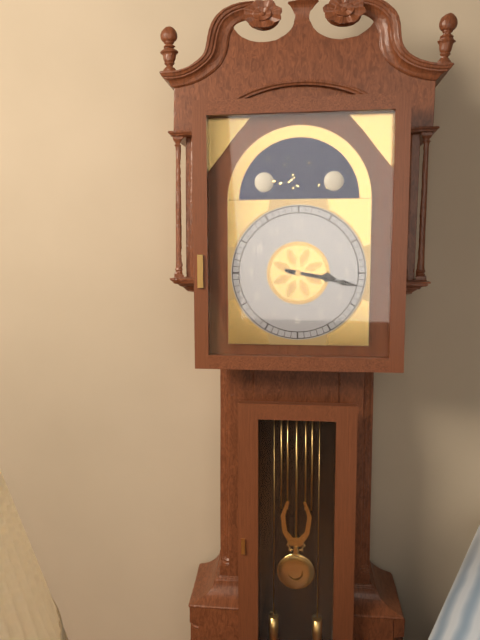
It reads 3:17
